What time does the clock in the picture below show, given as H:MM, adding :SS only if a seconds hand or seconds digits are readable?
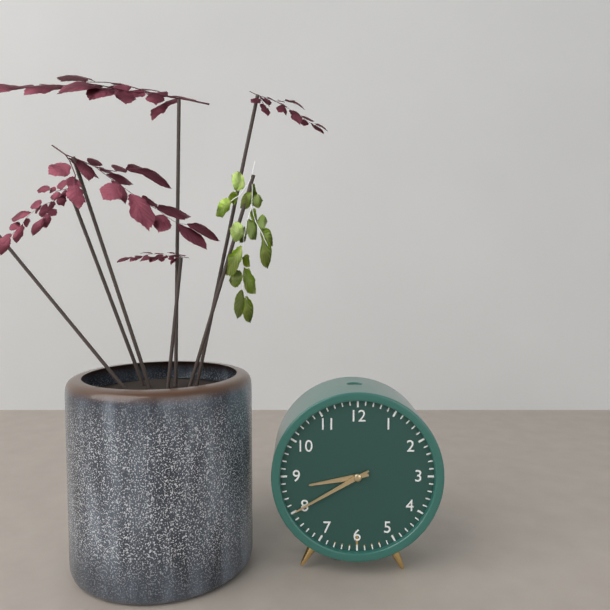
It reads 8:40
